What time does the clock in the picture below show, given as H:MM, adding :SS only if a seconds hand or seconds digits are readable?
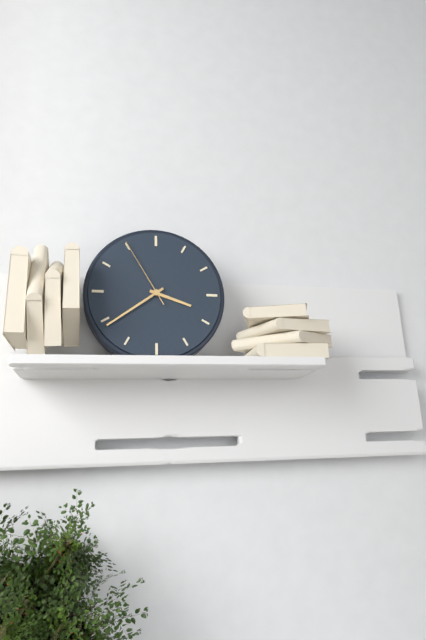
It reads 3:39:55
